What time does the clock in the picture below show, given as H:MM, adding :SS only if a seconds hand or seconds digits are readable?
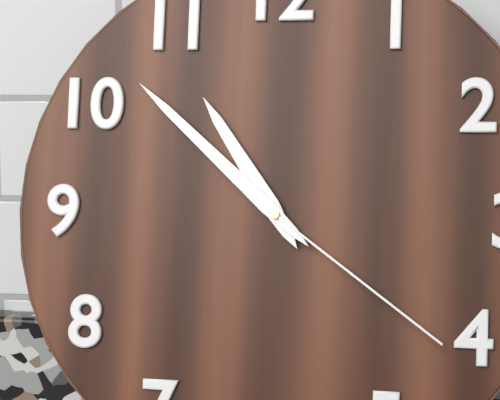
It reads 10:52:21
